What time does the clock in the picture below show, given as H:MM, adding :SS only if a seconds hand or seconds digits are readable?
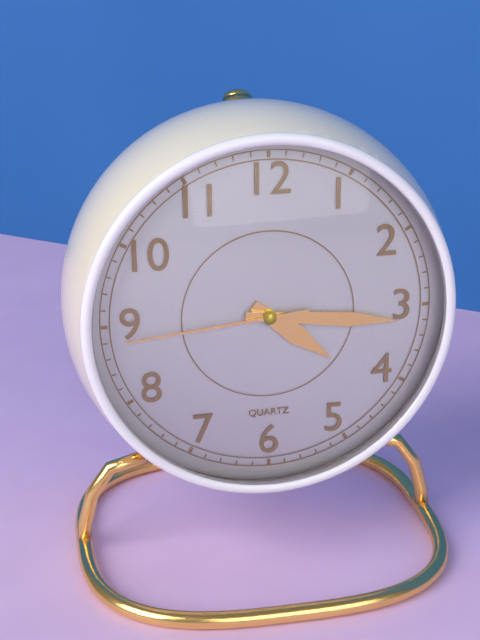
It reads 4:16:44
